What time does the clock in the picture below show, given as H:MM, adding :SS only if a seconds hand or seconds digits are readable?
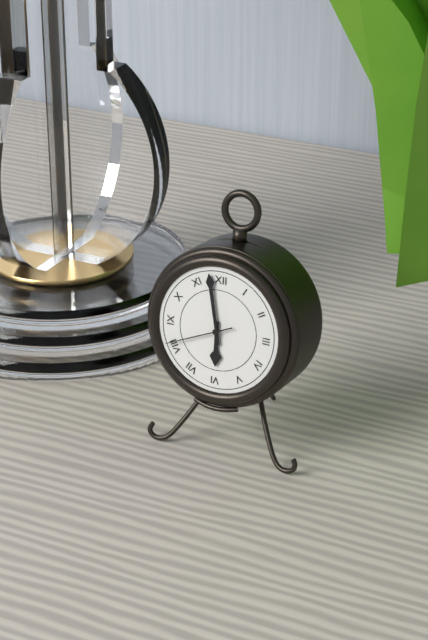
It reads 5:58:41
